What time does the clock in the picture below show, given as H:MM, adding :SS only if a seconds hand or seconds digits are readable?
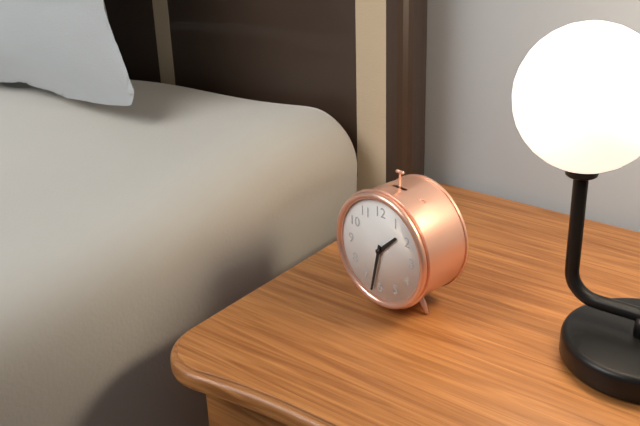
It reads 1:32
